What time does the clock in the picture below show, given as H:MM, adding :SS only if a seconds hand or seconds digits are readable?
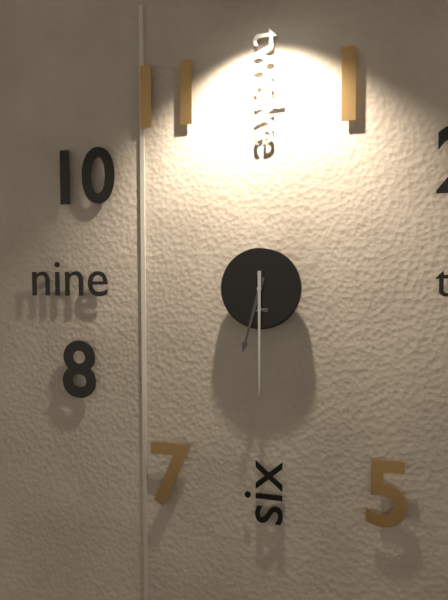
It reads 6:30
